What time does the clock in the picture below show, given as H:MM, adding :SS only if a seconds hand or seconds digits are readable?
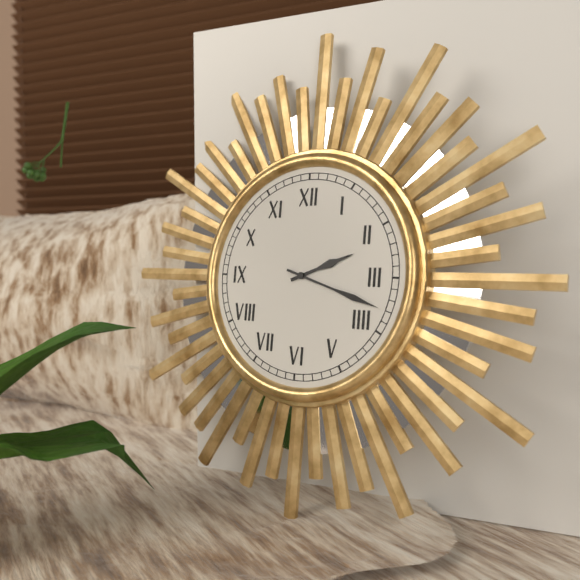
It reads 2:18
